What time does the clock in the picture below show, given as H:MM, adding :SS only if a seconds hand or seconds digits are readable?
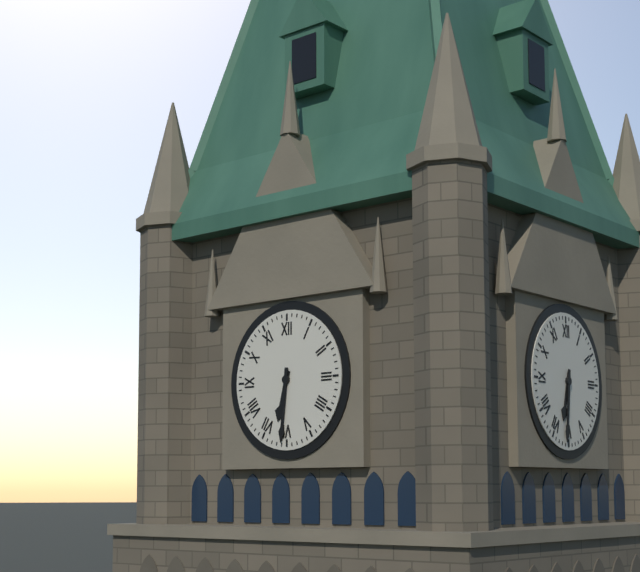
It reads 6:31
